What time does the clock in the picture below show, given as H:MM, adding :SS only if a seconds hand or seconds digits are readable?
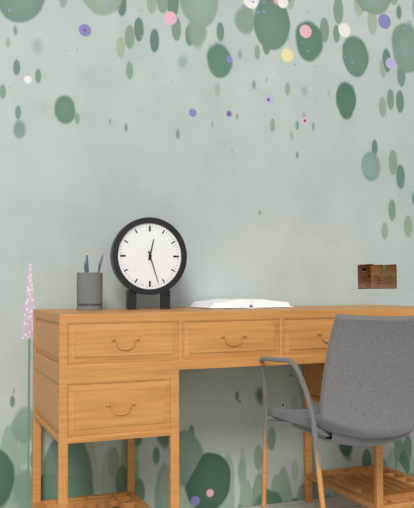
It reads 12:27
